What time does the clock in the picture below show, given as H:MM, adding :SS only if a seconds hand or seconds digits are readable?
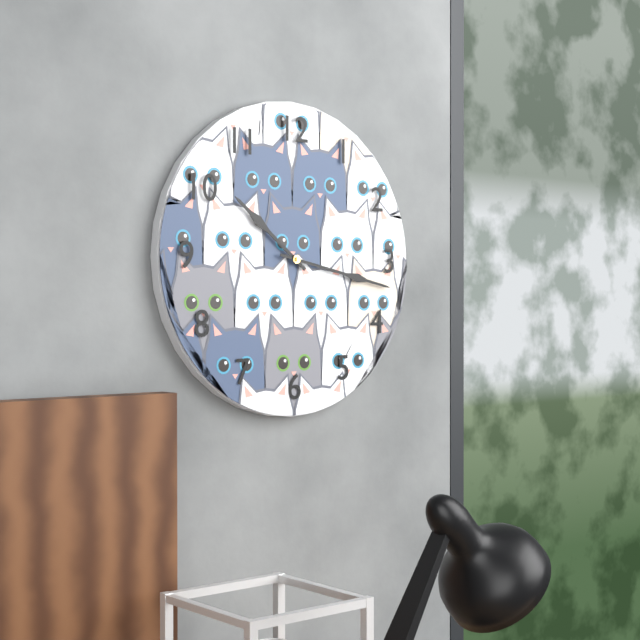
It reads 10:17
